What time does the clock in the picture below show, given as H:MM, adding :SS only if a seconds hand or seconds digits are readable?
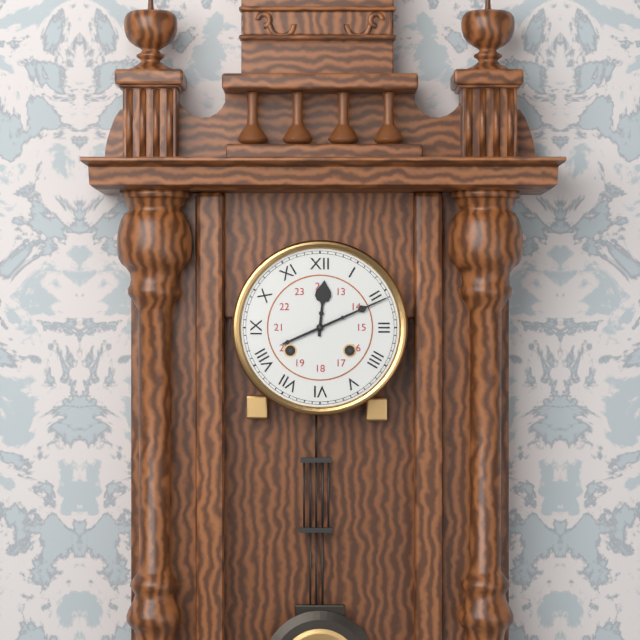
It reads 12:11
